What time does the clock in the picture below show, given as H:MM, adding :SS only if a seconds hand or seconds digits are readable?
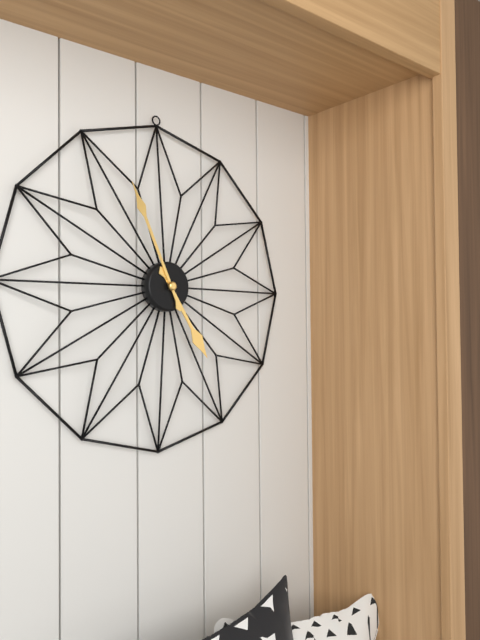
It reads 4:56
